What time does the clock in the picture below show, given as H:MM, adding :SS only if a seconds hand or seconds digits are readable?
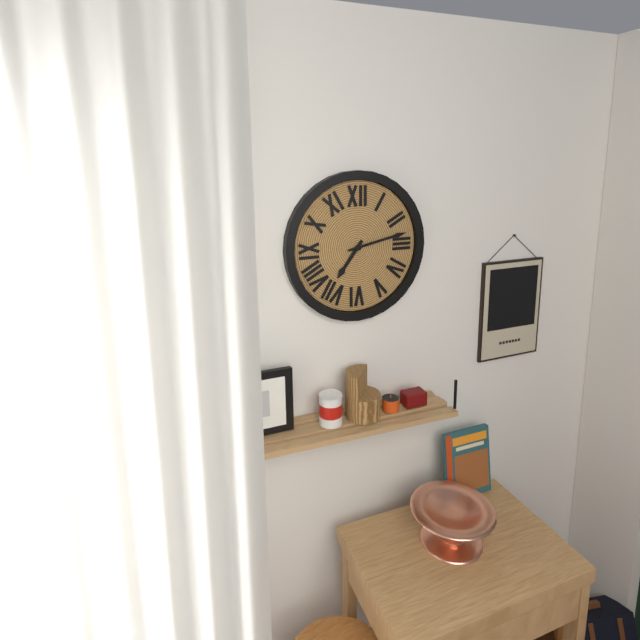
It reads 7:13
